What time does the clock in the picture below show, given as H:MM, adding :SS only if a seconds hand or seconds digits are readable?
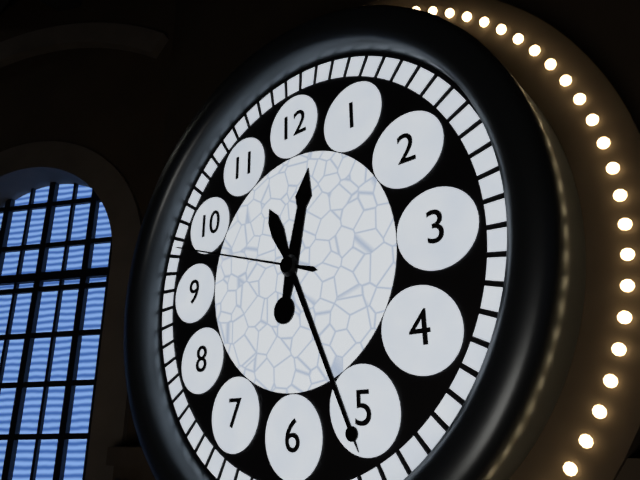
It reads 12:26:48
